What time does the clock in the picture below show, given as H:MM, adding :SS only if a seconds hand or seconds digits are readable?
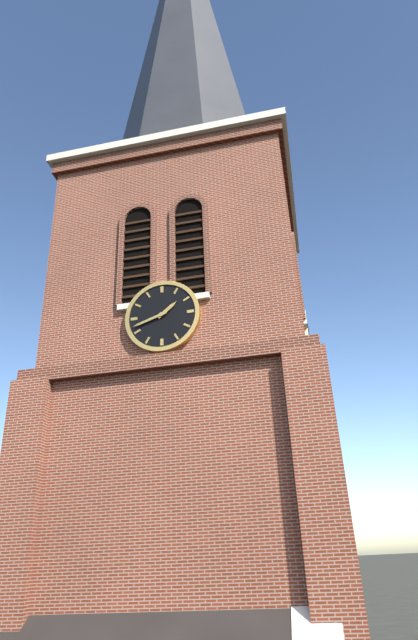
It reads 1:42
